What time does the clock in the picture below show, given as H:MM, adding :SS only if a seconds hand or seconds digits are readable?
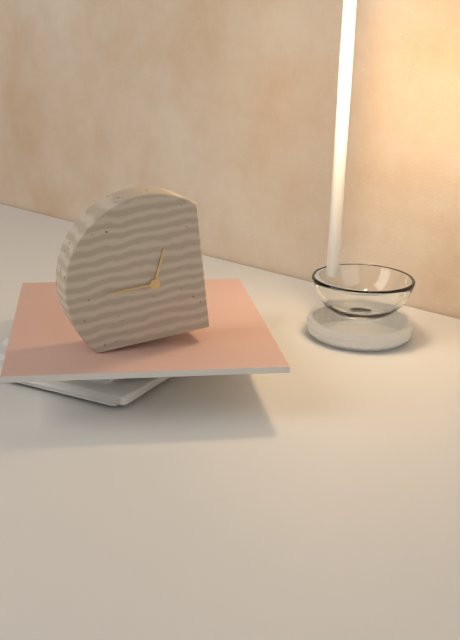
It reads 12:45
